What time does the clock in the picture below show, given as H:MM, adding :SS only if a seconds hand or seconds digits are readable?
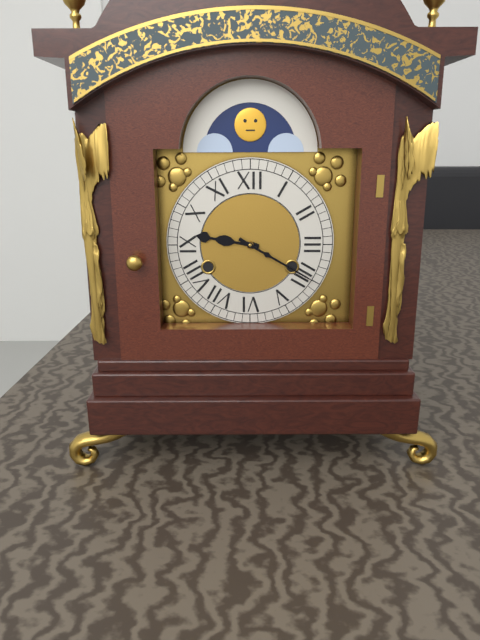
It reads 9:20
